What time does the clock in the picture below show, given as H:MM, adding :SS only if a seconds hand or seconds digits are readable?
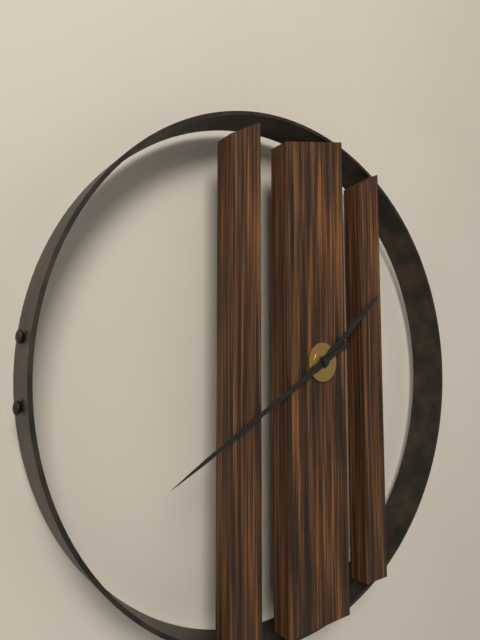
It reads 1:40
